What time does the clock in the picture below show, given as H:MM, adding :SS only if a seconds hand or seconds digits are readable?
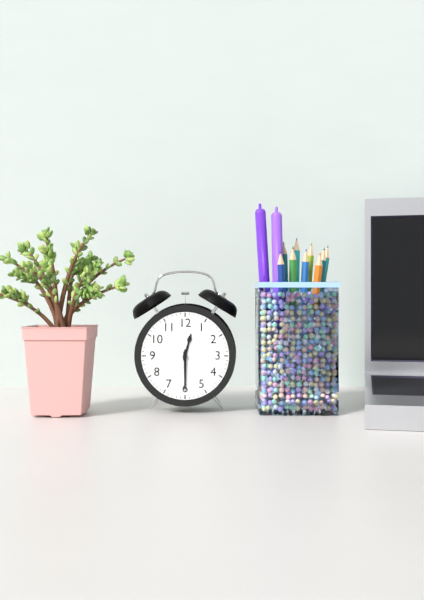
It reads 12:30
